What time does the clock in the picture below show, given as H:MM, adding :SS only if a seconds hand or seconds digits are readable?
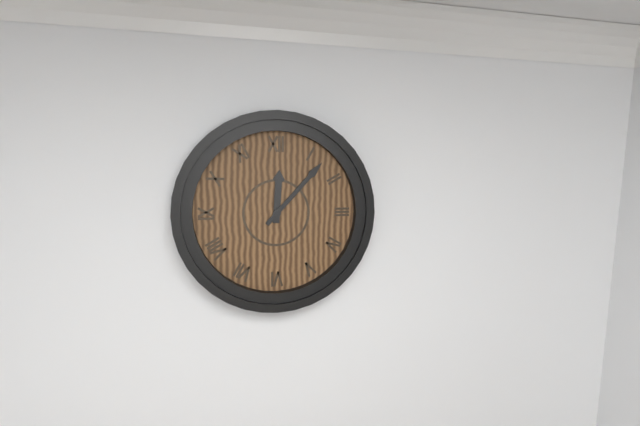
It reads 12:07
